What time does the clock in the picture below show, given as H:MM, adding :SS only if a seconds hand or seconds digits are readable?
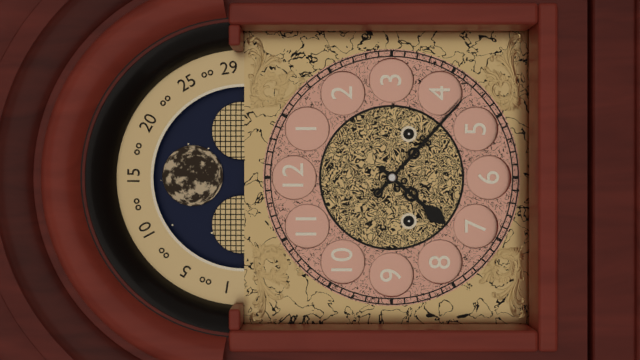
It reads 7:22
